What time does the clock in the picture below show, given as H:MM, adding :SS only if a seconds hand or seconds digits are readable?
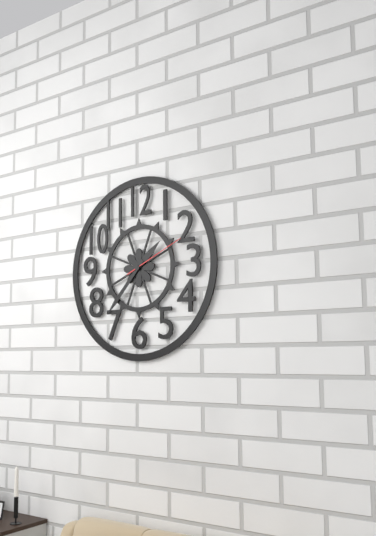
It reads 1:37:11
